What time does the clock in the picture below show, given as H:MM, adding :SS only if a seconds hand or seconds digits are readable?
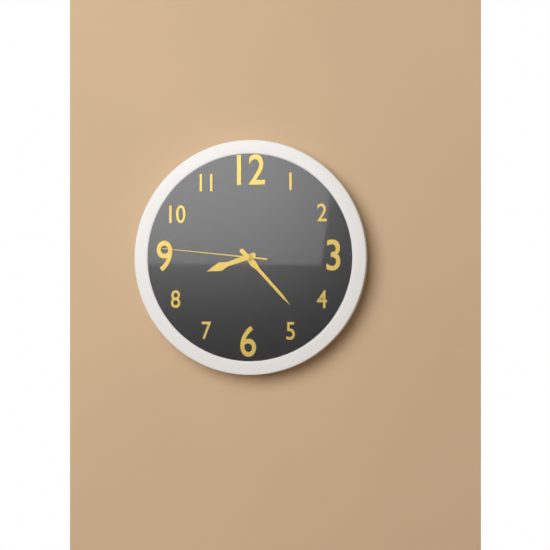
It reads 8:23:46
